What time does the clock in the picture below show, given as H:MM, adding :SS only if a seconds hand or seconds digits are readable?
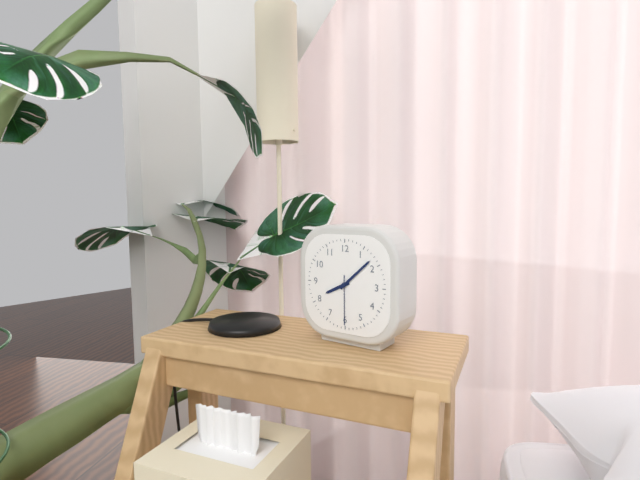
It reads 8:08:30
